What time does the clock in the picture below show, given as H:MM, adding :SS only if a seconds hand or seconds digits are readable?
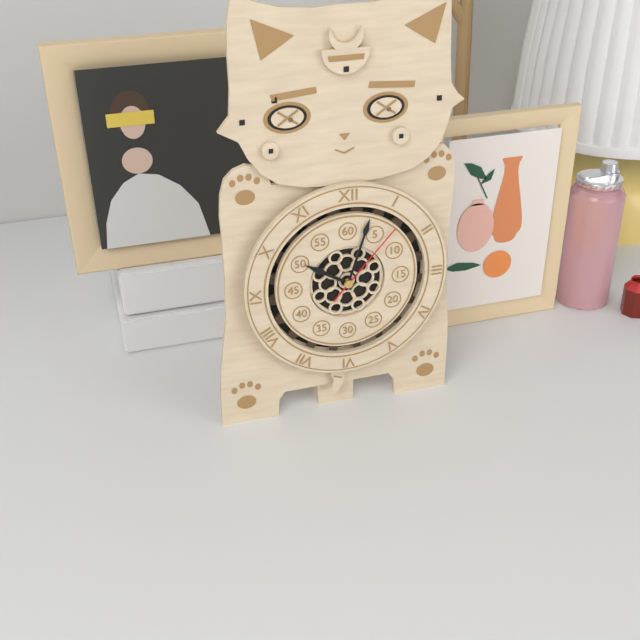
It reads 10:03:07
